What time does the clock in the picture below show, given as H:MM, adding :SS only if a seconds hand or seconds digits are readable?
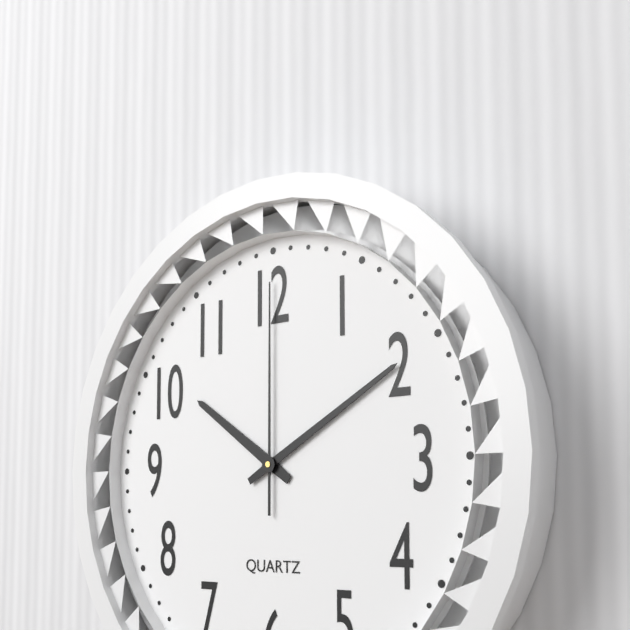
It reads 10:10:00
